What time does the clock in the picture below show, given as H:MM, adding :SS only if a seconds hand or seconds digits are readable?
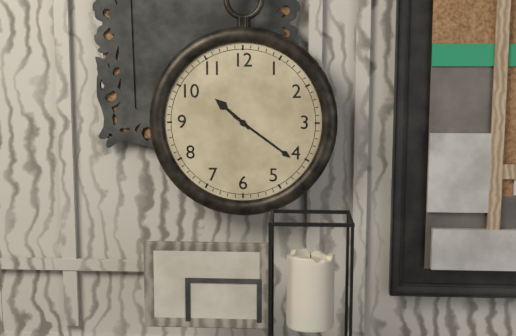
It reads 10:21
